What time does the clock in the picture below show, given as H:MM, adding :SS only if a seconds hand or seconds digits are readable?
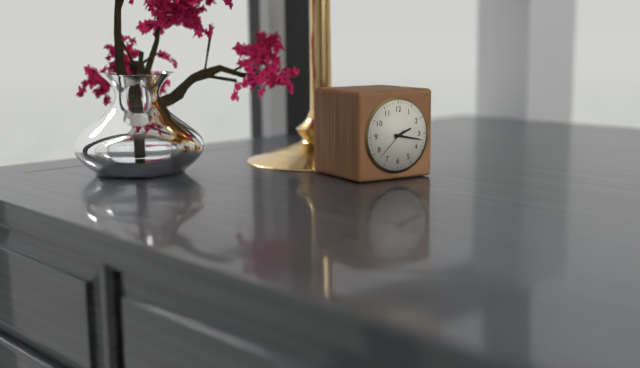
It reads 2:17
